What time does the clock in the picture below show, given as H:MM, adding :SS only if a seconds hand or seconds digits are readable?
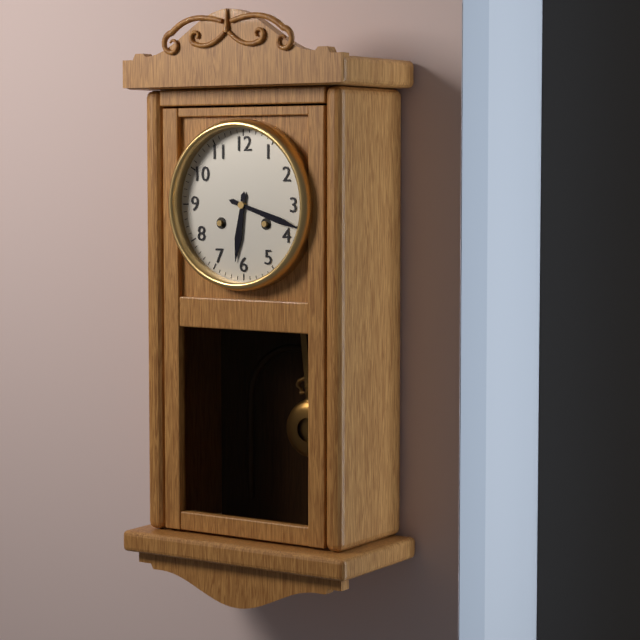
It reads 6:18
